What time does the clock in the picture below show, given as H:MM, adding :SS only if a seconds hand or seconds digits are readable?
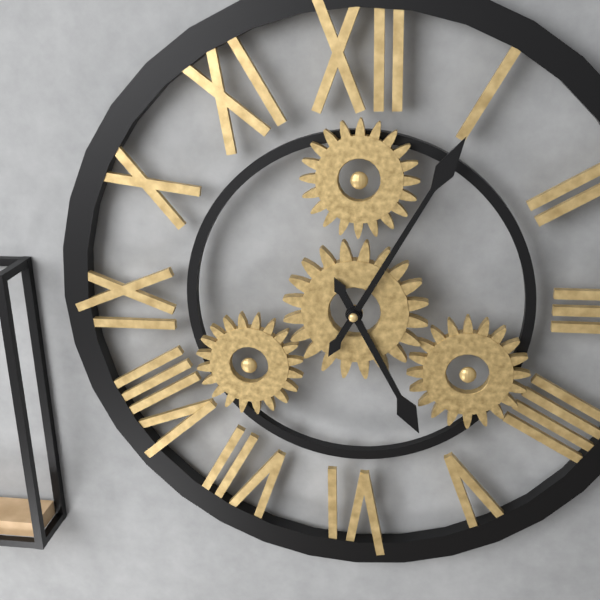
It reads 5:05
